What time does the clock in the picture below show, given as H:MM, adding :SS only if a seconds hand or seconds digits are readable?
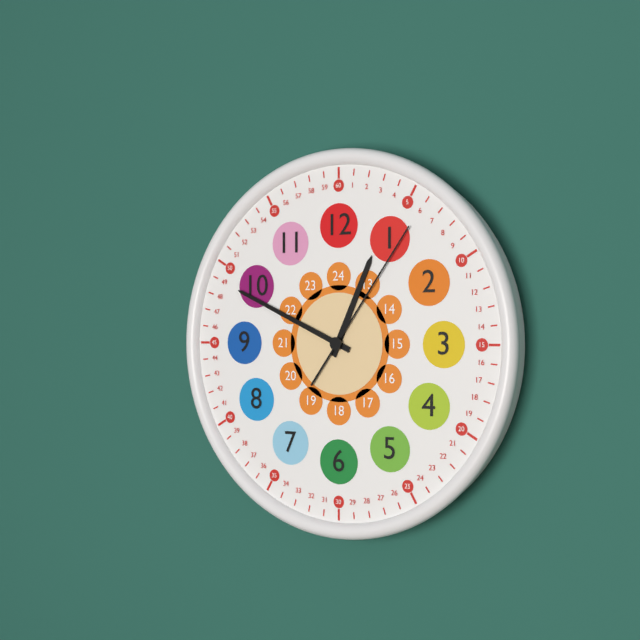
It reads 12:49:06
